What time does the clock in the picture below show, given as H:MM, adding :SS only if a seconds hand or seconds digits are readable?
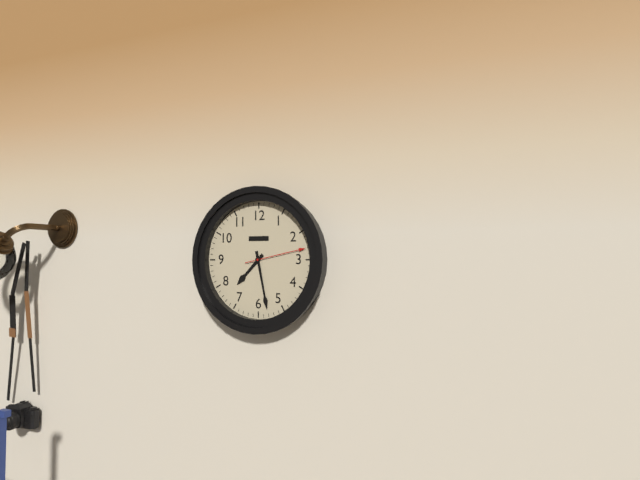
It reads 7:28:13
